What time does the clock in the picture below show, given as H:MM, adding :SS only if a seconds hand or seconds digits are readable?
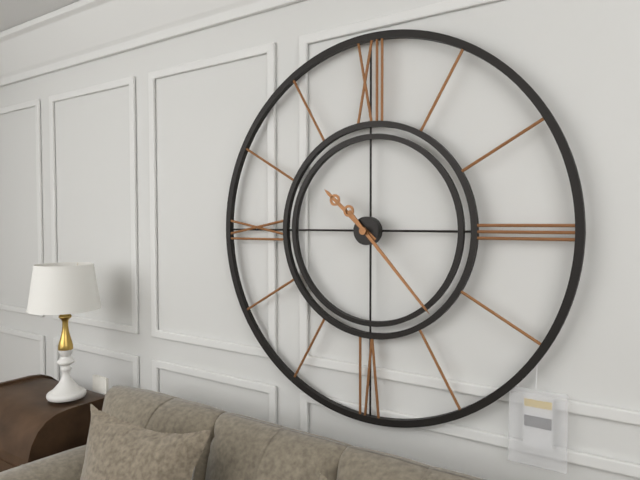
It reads 10:23
